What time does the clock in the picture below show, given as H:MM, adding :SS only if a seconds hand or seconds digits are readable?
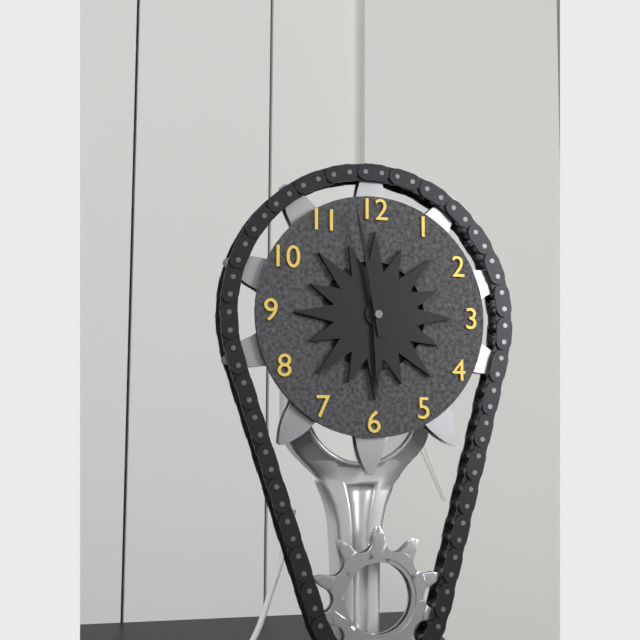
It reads 5:58
